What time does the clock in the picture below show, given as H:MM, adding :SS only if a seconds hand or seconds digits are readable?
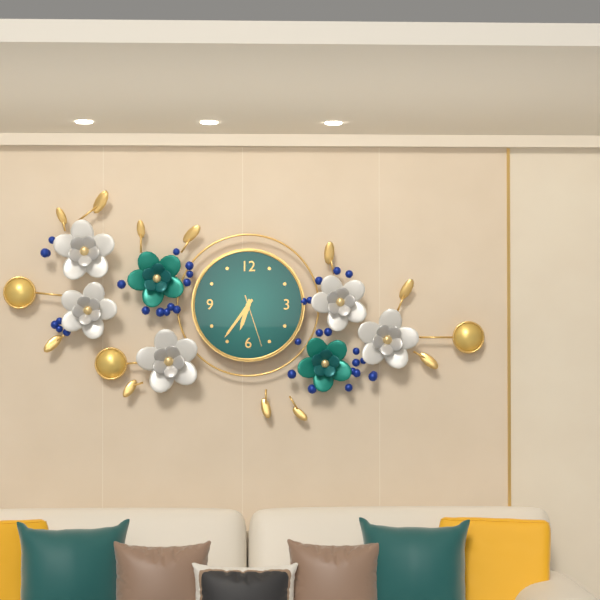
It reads 6:36:27
